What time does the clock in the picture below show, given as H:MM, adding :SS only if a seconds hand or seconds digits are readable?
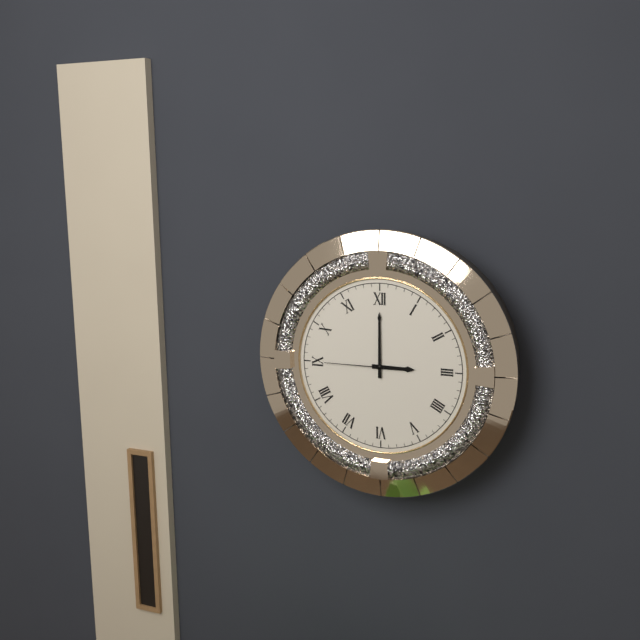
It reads 3:00:45
